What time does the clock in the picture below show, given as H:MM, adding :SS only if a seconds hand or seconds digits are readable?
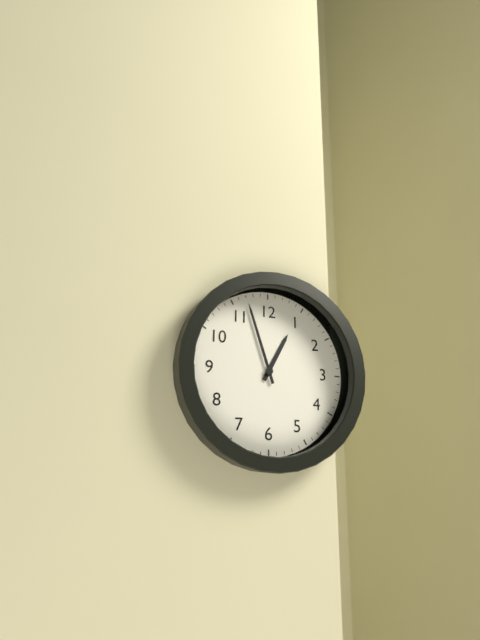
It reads 12:57
